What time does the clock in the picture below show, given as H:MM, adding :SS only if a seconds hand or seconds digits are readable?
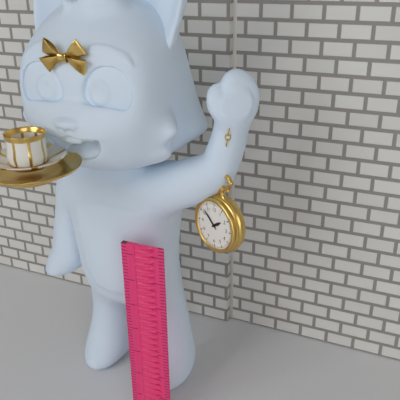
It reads 1:52
